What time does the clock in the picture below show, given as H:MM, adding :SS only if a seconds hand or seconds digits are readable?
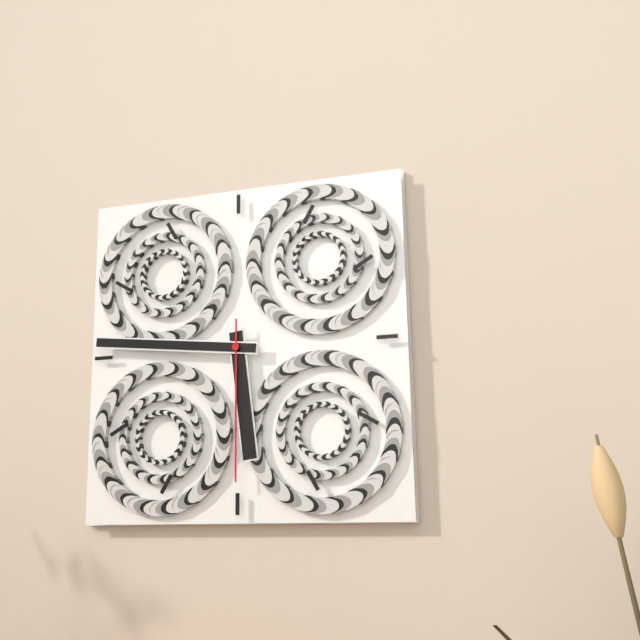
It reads 5:46:30
